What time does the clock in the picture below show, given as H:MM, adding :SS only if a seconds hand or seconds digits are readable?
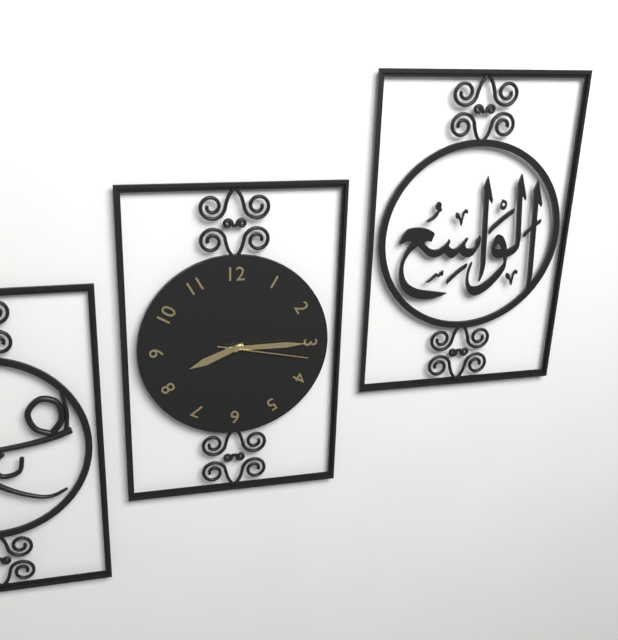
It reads 8:15:17
